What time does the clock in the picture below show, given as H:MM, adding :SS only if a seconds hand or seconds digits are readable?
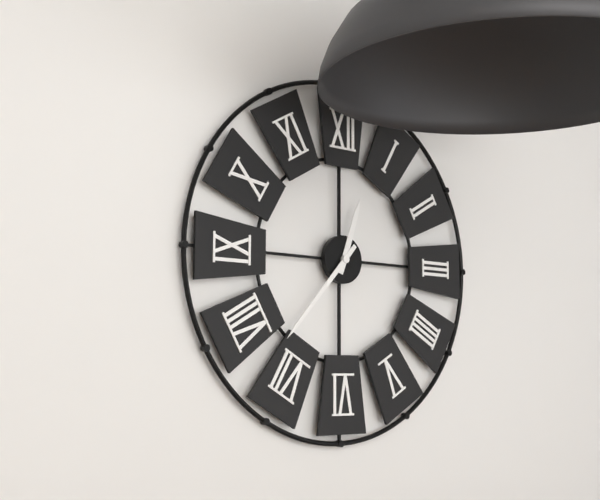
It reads 12:37
